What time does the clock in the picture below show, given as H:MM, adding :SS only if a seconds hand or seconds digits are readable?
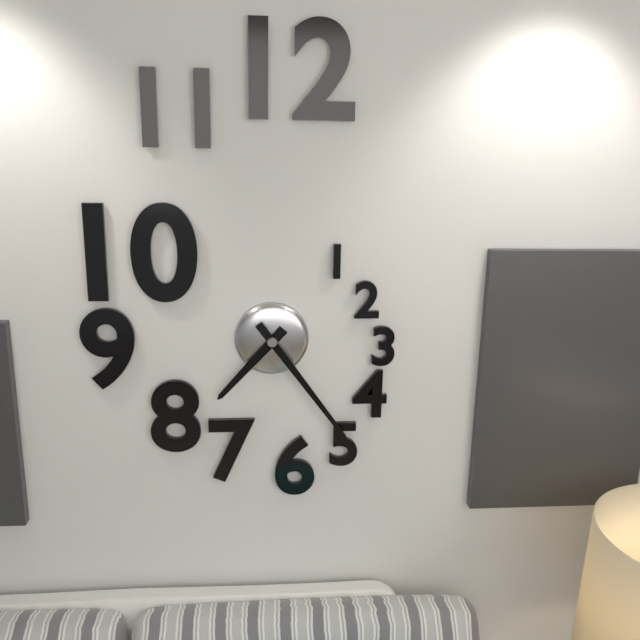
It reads 7:24
